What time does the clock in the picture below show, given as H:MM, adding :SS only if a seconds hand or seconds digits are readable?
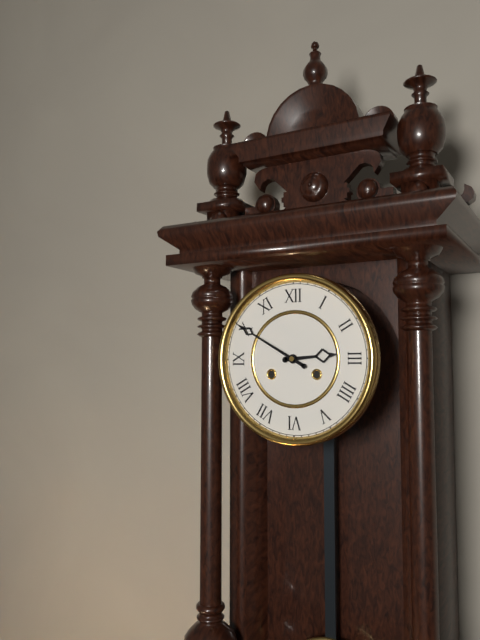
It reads 2:50
